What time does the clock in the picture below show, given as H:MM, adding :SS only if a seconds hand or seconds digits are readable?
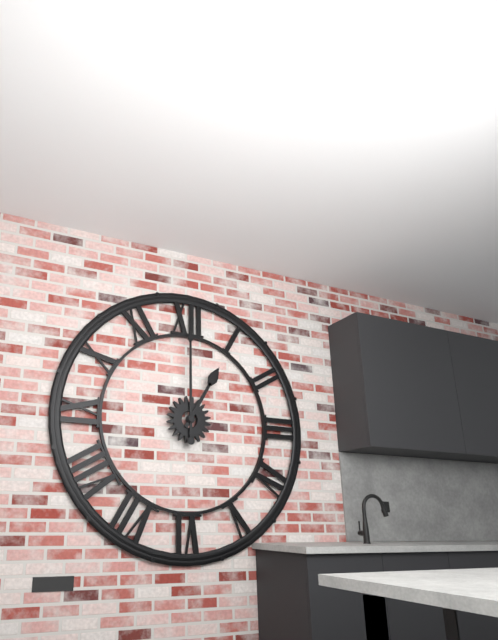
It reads 1:00
